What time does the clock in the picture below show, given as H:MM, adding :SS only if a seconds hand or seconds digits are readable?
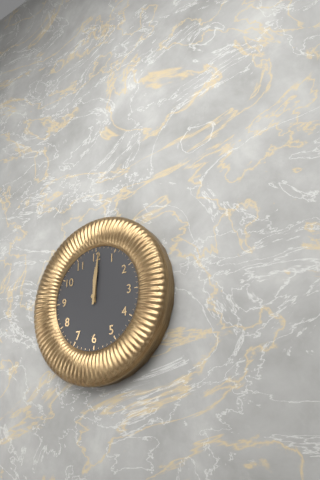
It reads 12:01
